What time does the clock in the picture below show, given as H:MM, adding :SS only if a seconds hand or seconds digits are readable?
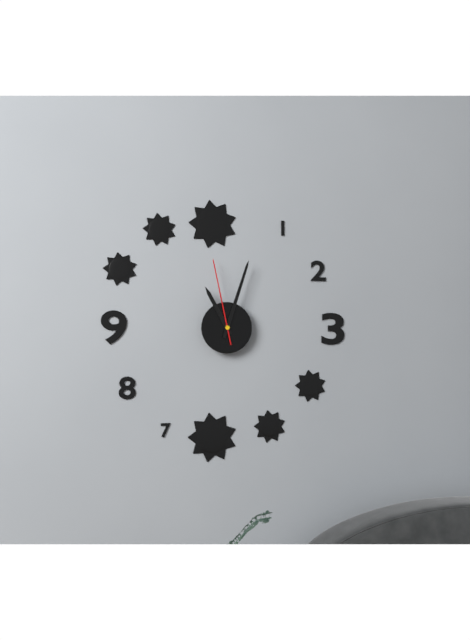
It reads 11:03:58
